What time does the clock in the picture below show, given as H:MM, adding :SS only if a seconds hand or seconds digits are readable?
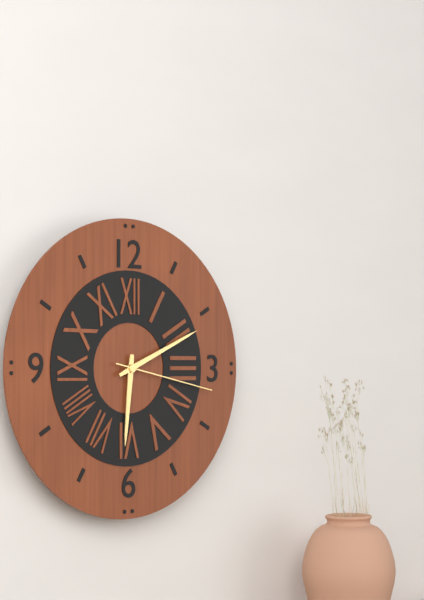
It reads 6:11:17
